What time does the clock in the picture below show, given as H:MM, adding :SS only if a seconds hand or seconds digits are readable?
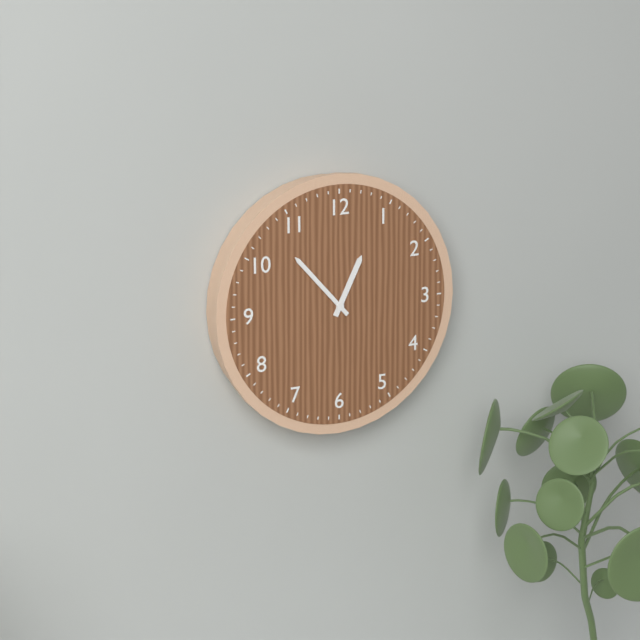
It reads 12:53
